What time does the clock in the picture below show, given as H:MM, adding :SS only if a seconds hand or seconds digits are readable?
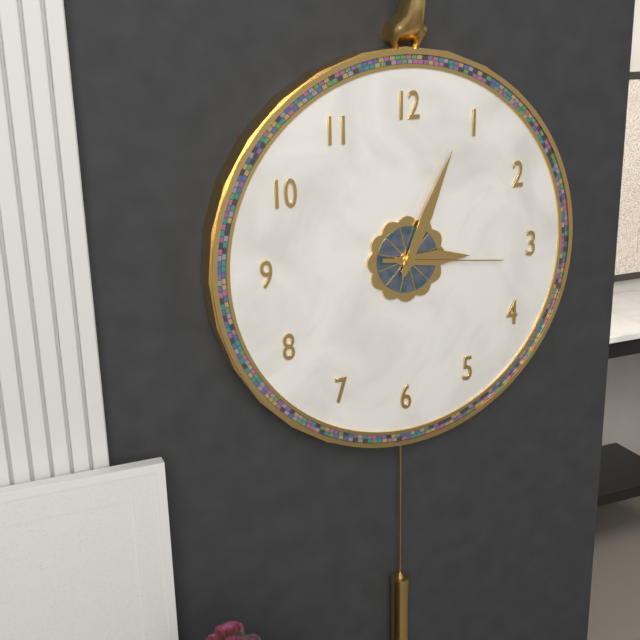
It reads 3:04:16
